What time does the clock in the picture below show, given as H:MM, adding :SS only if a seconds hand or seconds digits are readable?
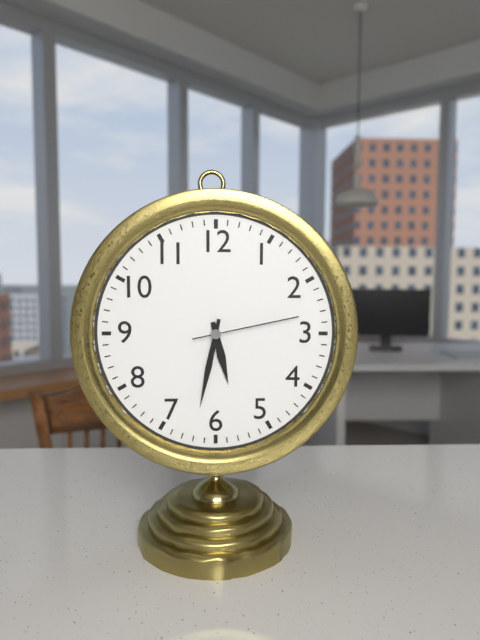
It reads 5:32:13
